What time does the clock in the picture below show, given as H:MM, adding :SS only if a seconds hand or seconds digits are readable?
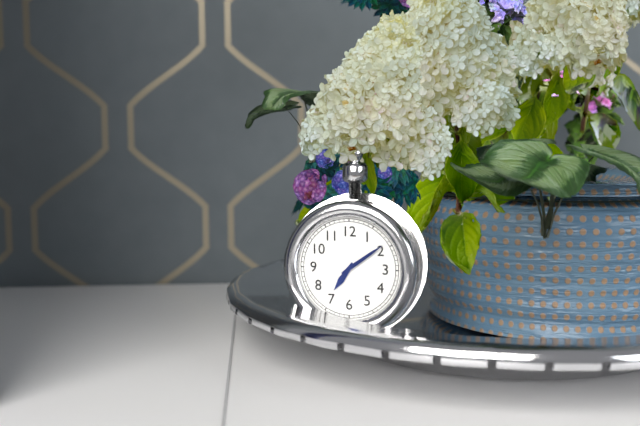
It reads 7:09
